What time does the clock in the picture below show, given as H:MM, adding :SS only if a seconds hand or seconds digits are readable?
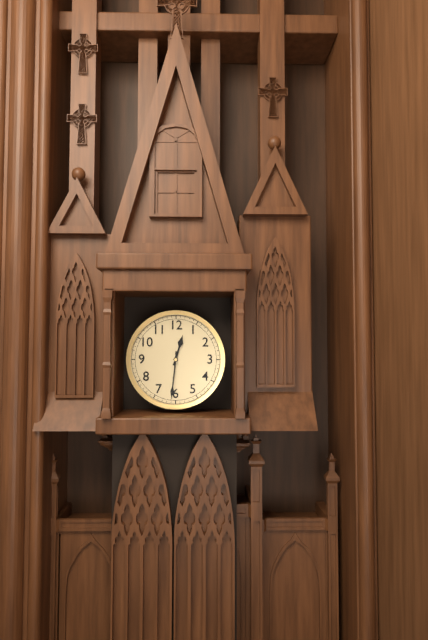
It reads 12:31
